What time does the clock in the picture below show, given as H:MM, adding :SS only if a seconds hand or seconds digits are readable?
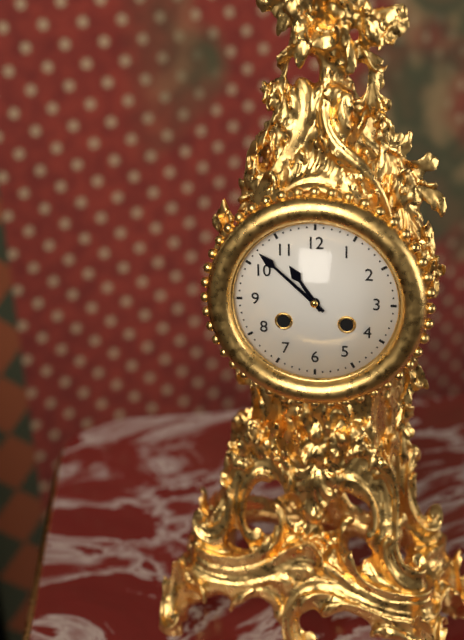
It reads 10:52
